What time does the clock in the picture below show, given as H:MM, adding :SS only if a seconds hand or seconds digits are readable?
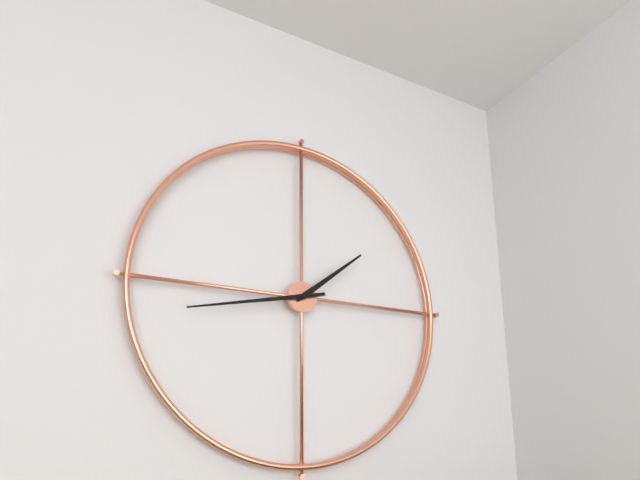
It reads 1:43
